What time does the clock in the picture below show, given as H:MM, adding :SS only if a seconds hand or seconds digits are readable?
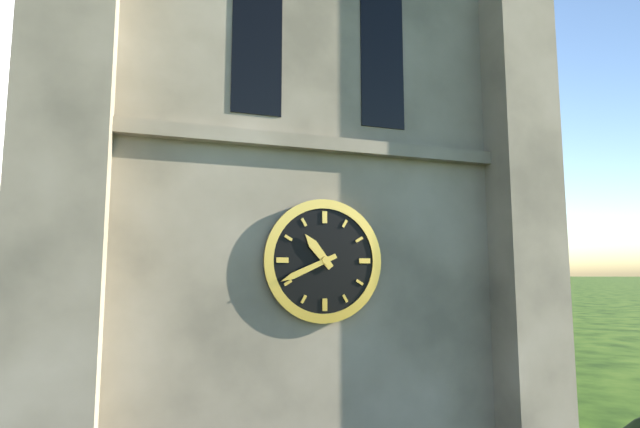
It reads 10:41
